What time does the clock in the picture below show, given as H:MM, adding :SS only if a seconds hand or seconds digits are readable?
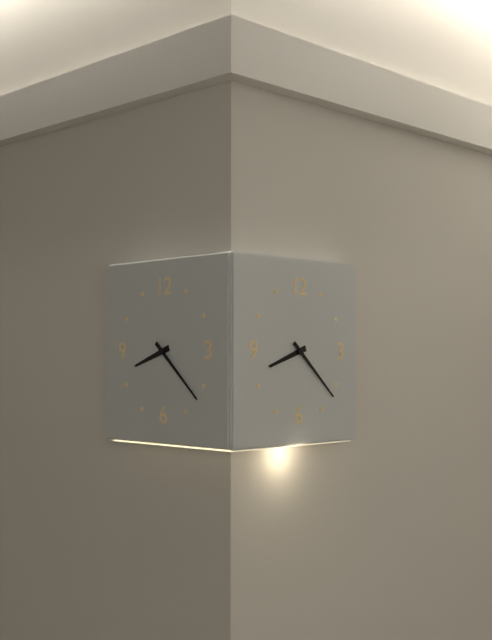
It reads 8:22
